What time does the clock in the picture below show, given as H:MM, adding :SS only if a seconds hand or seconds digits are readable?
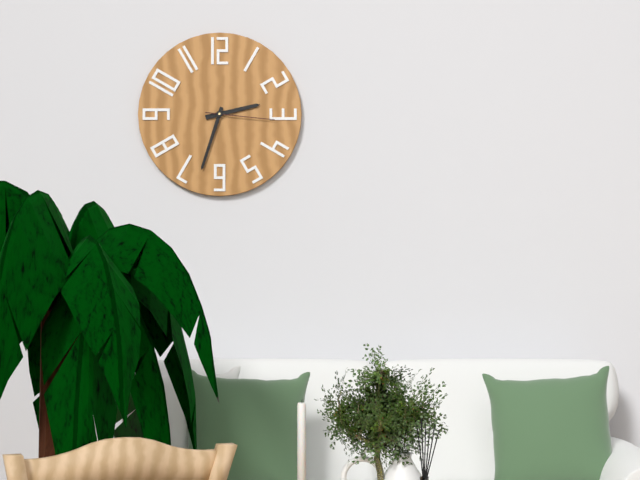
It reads 2:33:16
